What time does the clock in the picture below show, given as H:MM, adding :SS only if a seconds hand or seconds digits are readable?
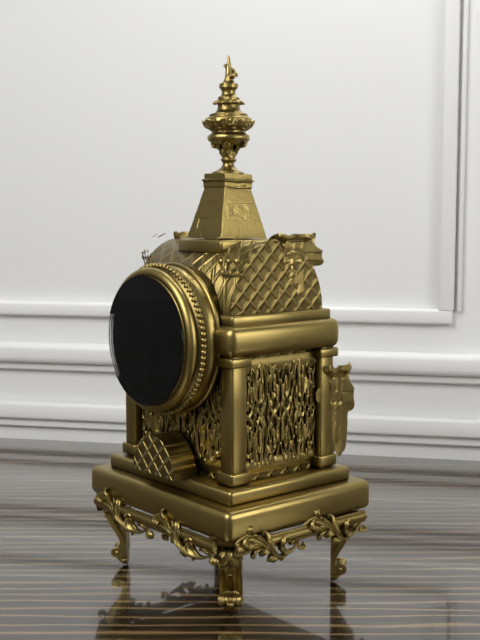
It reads 1:58
